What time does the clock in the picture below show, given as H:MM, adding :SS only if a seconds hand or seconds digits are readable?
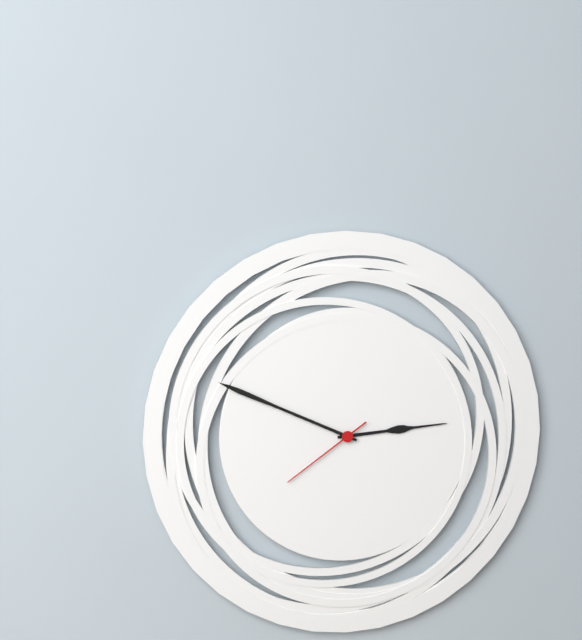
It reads 2:49:39
